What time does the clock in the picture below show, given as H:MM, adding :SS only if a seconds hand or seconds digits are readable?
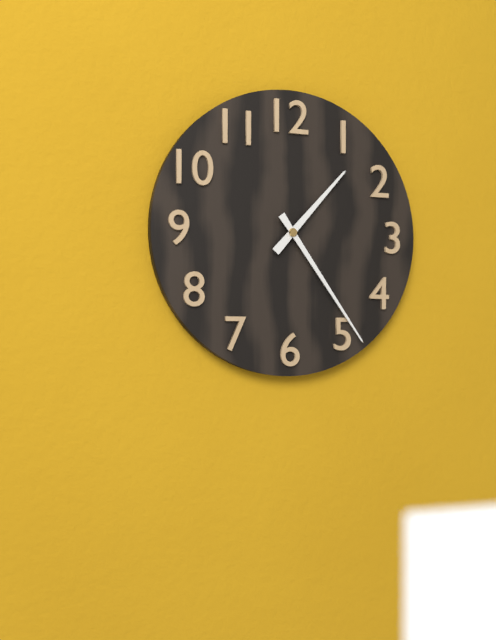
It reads 1:24
